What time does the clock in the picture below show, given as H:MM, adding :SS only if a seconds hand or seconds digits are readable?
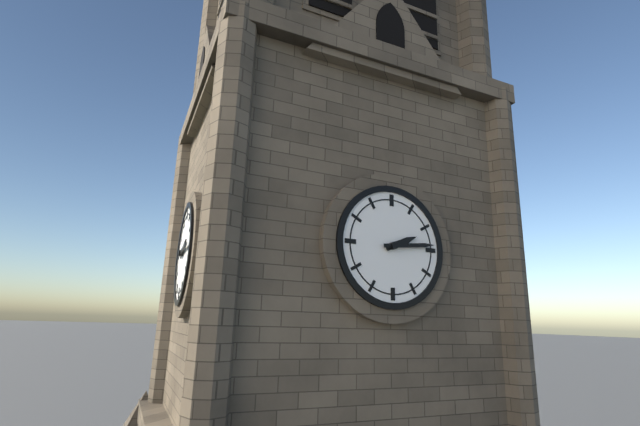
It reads 2:14
